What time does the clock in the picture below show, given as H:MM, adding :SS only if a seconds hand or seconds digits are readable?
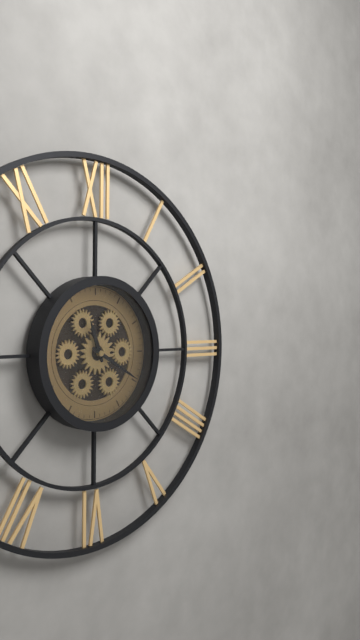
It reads 11:20
